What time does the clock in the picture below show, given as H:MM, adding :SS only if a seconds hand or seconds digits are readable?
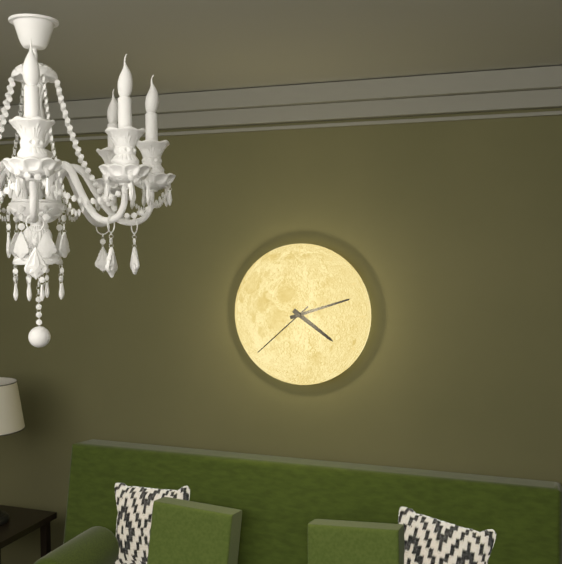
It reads 4:12:38
